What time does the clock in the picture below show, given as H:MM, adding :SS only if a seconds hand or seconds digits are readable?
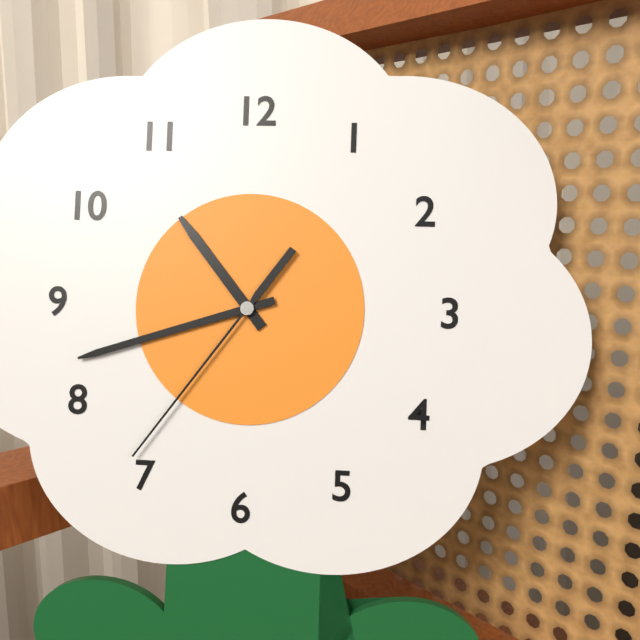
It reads 10:42:36
